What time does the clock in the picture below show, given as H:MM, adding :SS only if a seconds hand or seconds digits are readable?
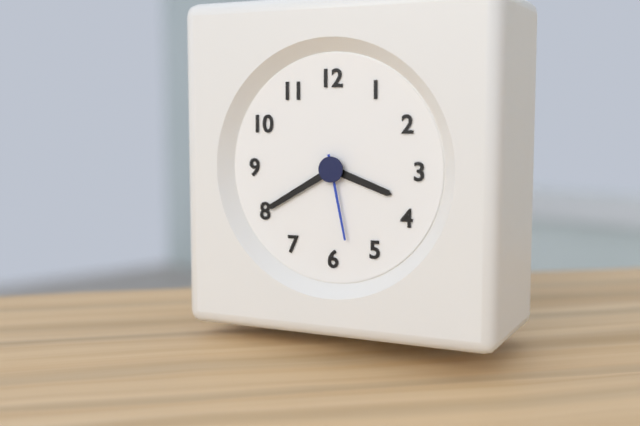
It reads 3:40:28
